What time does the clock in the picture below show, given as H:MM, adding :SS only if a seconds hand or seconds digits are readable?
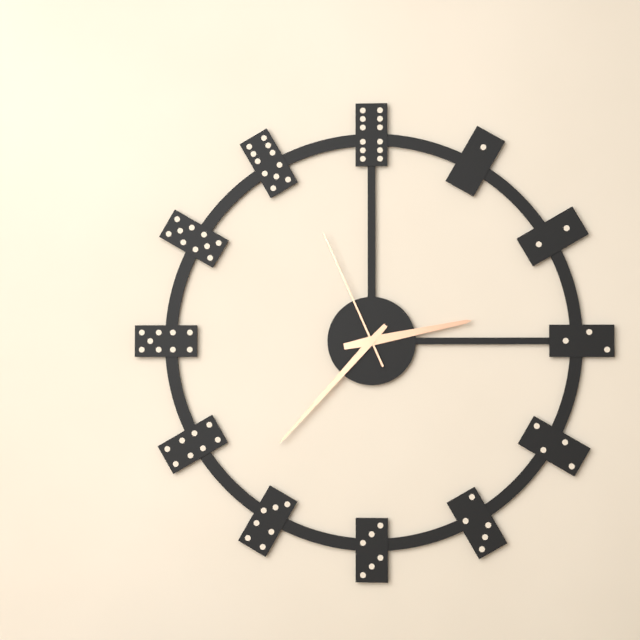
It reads 2:37:56
